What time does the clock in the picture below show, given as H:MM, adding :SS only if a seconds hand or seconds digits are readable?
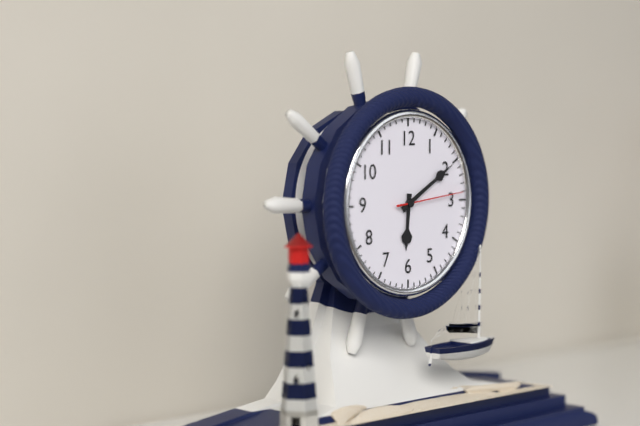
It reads 6:10:14
